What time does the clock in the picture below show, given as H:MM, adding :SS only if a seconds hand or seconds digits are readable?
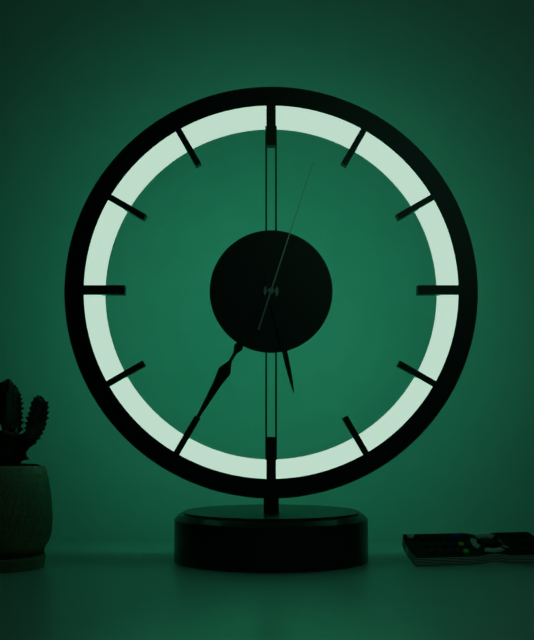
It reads 5:35:03
